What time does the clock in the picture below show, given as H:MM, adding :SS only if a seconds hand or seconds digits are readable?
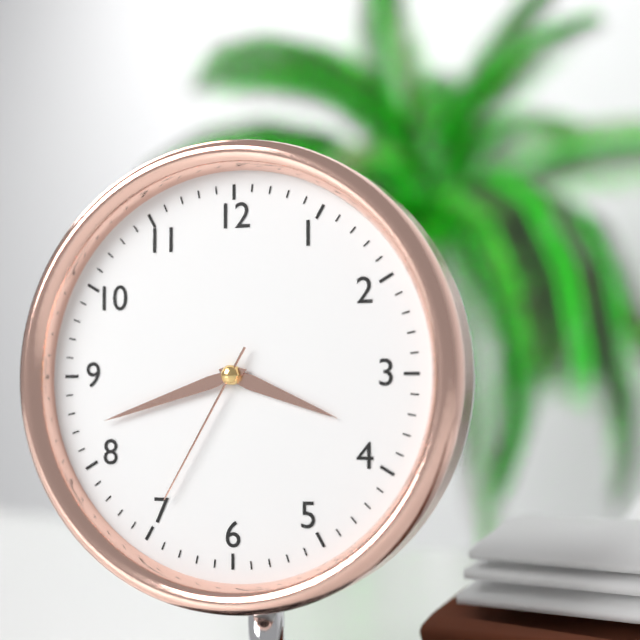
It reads 3:42:35
